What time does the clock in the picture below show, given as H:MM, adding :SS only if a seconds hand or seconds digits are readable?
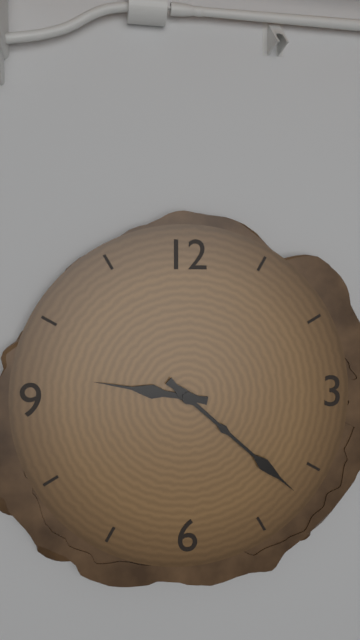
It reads 9:22
